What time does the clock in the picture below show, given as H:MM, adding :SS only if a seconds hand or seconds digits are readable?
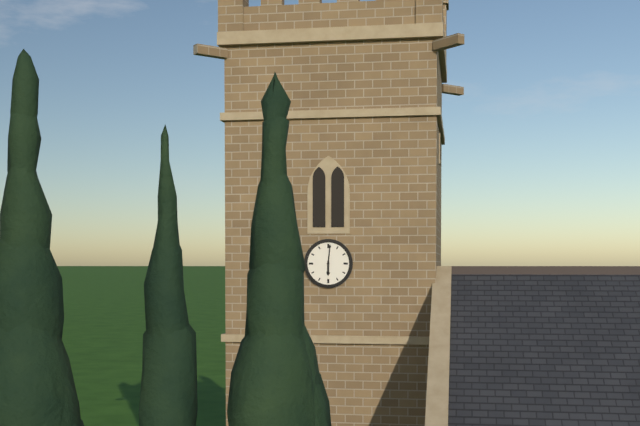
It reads 6:01
